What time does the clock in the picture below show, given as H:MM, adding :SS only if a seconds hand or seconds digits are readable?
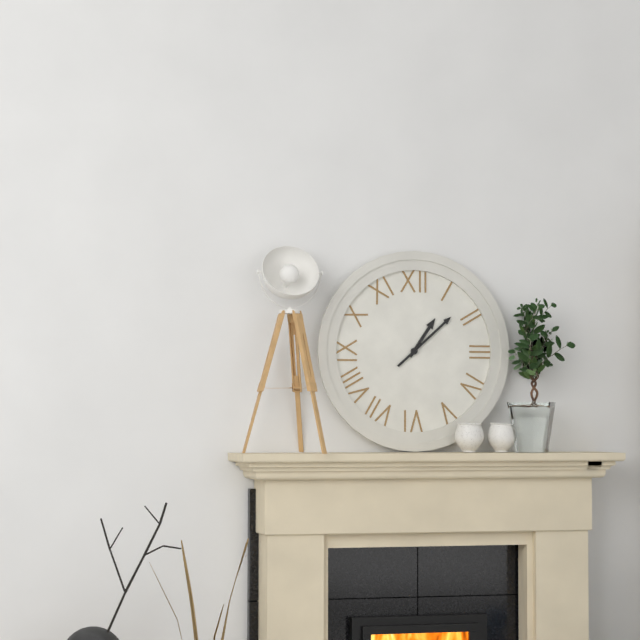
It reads 1:08
